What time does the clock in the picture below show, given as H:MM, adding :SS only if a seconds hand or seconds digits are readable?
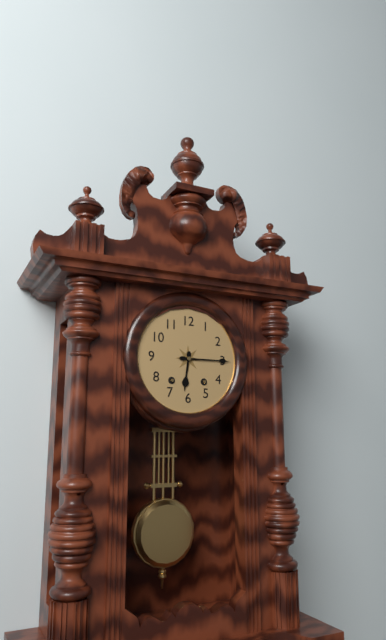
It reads 6:15
